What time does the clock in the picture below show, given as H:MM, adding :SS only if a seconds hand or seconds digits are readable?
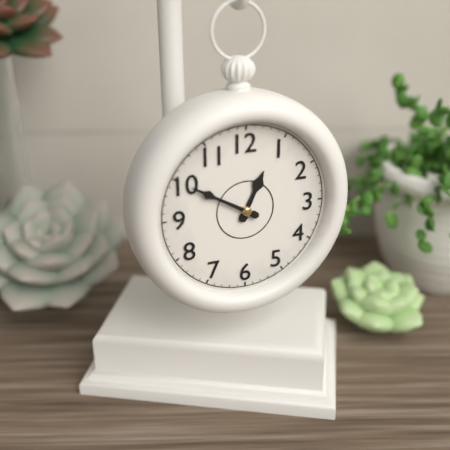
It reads 12:50
